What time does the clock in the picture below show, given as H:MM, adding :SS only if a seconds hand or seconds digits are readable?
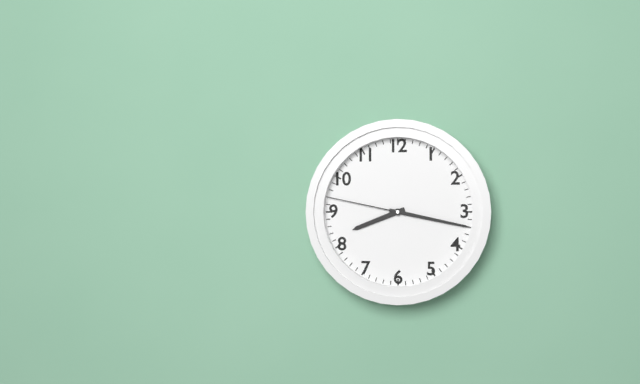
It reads 8:17:47
